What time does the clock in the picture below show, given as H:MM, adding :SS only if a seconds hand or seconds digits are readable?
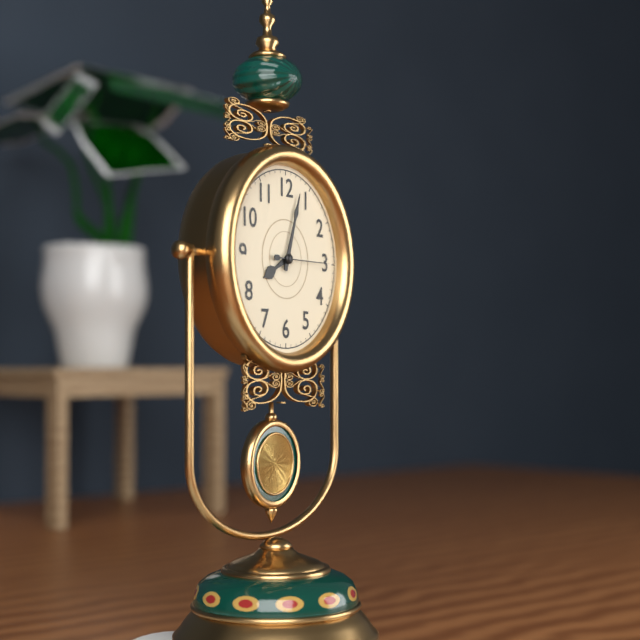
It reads 8:03:15
